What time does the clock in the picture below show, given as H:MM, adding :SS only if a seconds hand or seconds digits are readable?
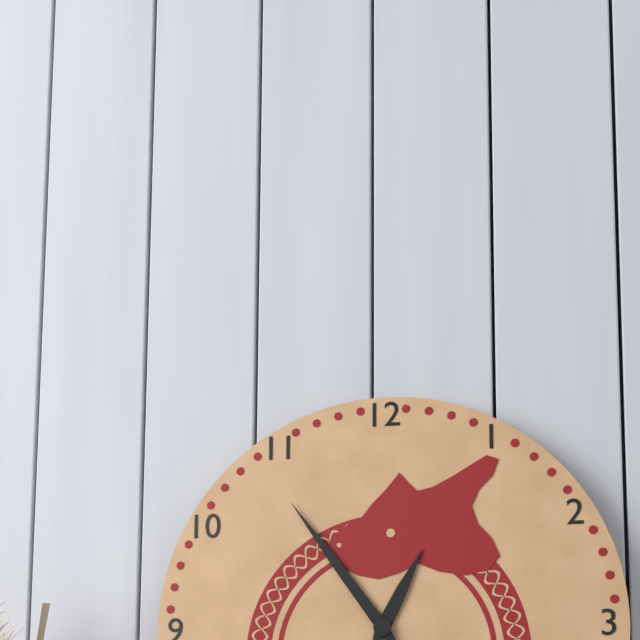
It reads 12:54
